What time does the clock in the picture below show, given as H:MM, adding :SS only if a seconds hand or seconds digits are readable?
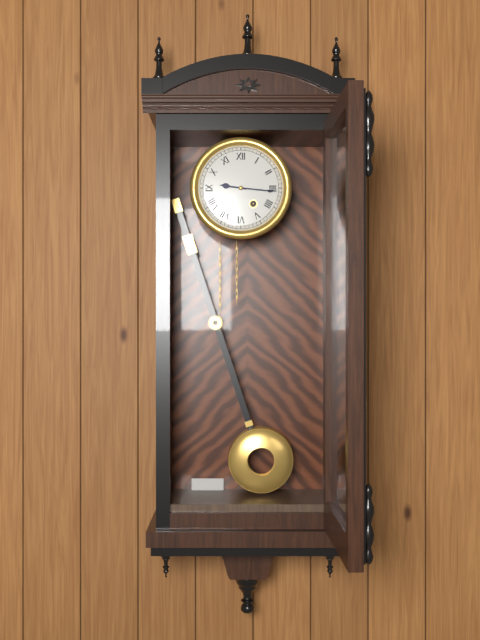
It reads 9:16
